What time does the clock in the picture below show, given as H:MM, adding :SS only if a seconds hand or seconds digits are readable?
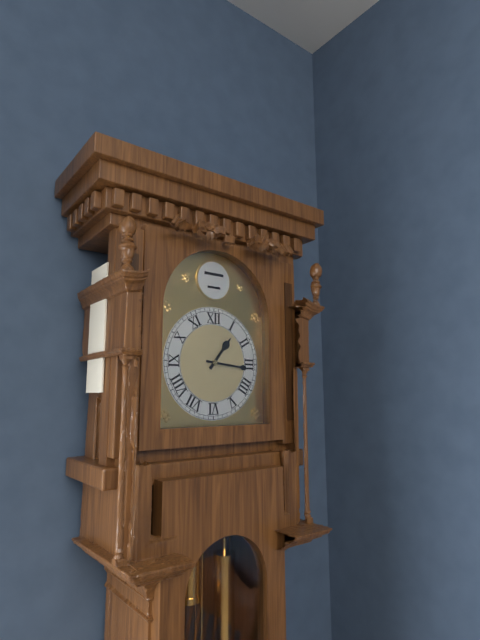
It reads 1:16
